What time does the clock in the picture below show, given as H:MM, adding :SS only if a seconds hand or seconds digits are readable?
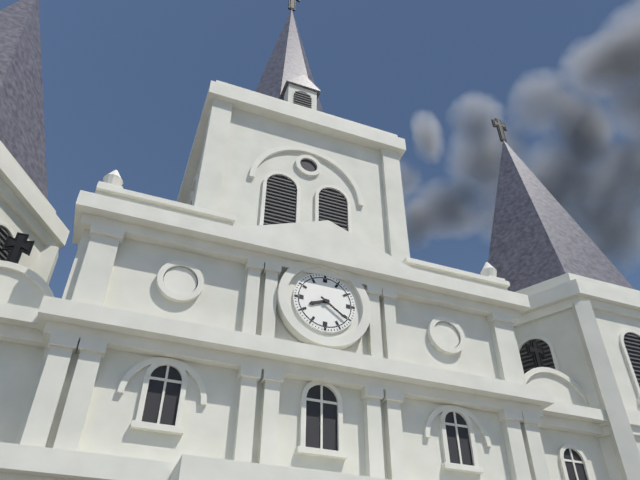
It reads 8:21
